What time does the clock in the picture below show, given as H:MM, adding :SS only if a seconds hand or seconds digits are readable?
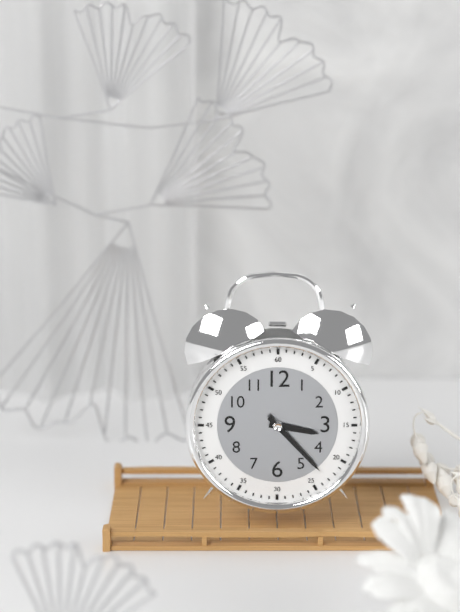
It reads 3:23
